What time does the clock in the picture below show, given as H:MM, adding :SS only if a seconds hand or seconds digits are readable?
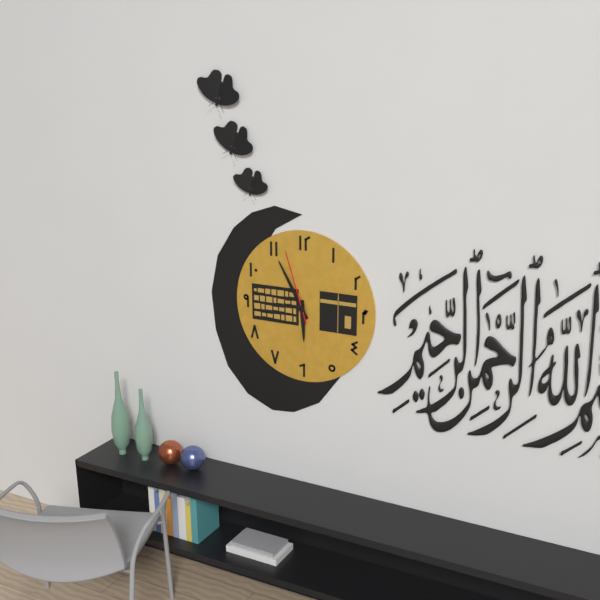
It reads 5:55:57
